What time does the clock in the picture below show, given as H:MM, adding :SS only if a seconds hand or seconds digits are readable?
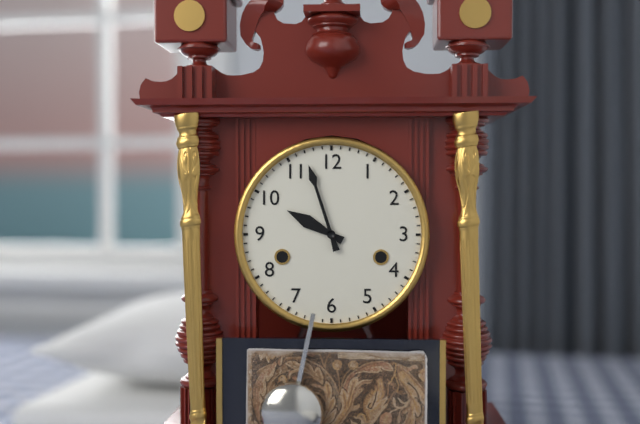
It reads 9:57
